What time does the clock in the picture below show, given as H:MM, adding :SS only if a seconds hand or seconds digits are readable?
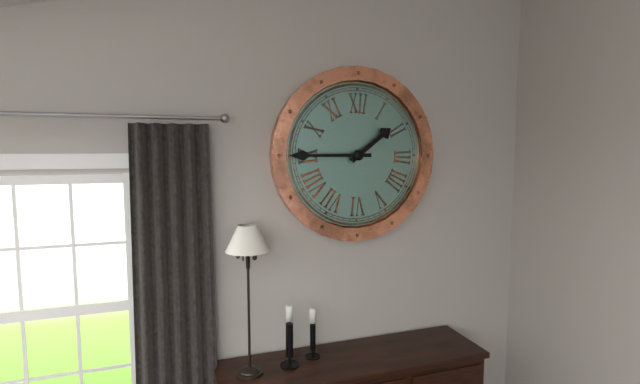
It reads 1:45
